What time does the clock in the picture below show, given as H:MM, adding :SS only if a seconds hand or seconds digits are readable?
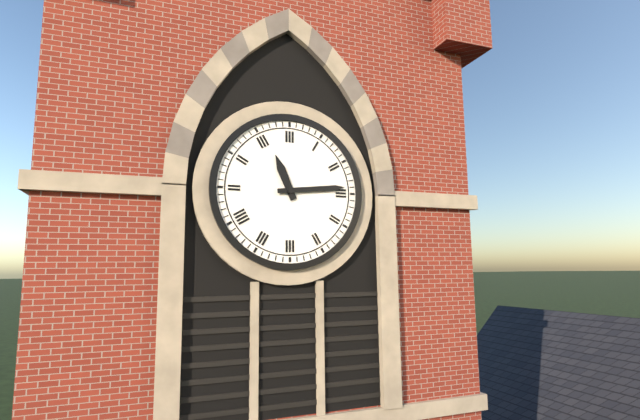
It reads 11:14
